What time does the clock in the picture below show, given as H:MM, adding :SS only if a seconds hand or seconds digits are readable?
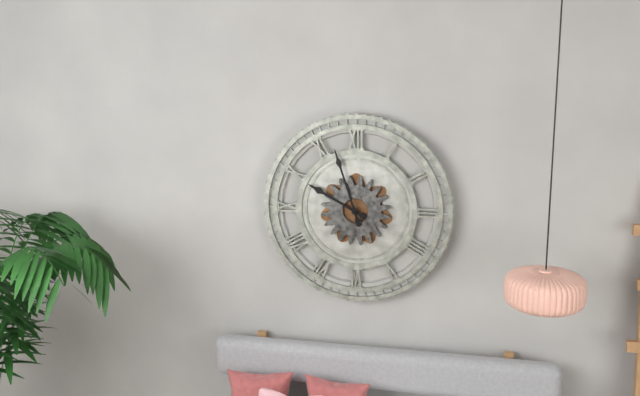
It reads 9:57
